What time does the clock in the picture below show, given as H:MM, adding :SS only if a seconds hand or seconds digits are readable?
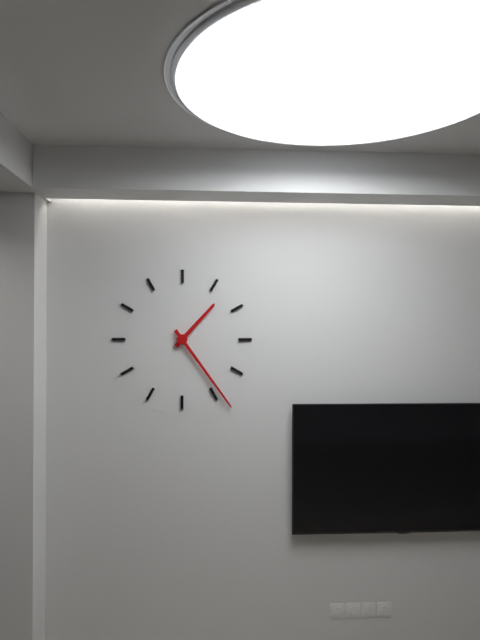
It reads 1:24
